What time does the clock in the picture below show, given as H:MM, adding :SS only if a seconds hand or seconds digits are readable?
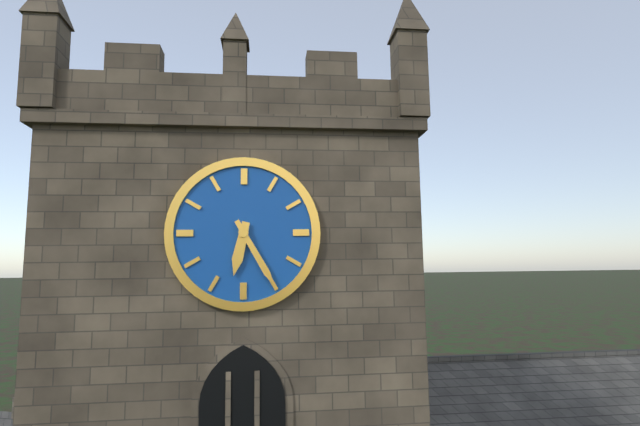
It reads 6:25
